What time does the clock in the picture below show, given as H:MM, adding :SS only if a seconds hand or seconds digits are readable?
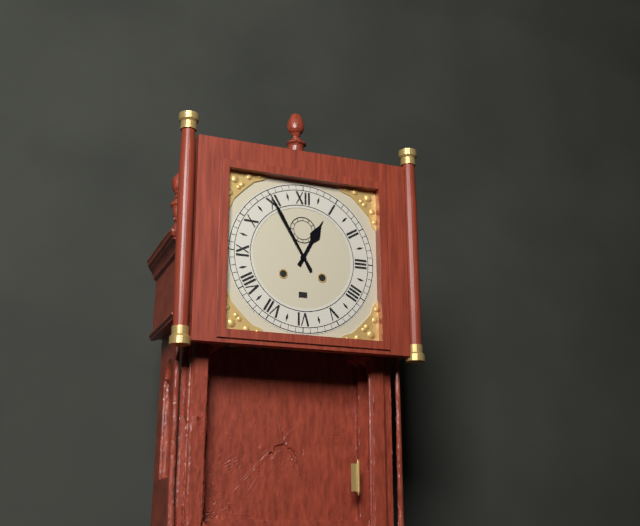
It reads 12:55
